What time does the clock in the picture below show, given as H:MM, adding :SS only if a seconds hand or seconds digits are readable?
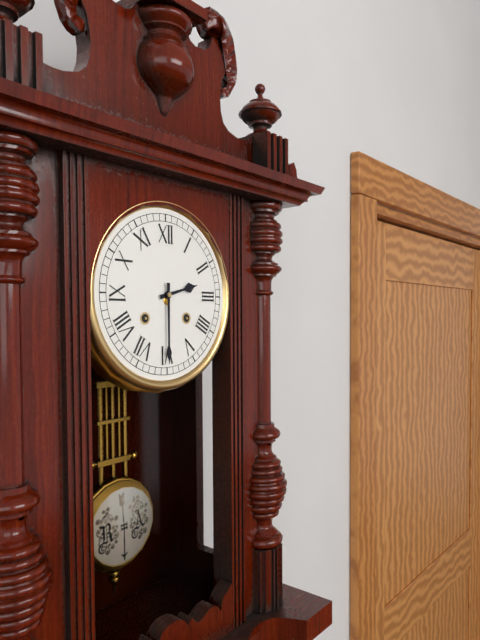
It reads 2:30
